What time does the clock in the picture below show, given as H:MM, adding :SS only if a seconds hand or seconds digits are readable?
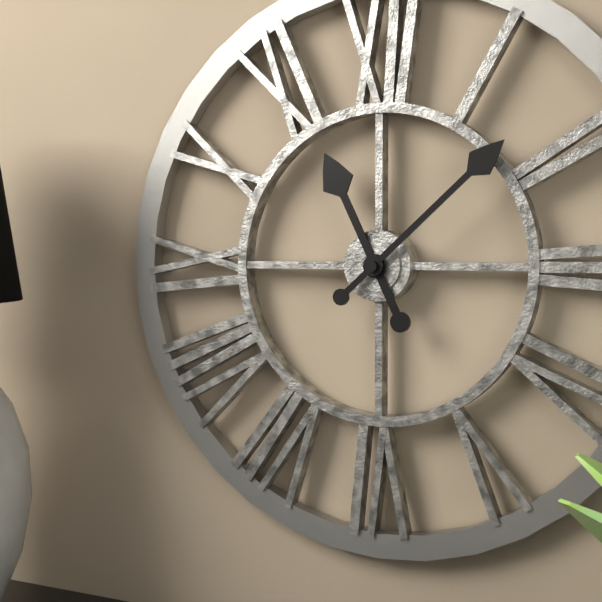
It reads 11:08
